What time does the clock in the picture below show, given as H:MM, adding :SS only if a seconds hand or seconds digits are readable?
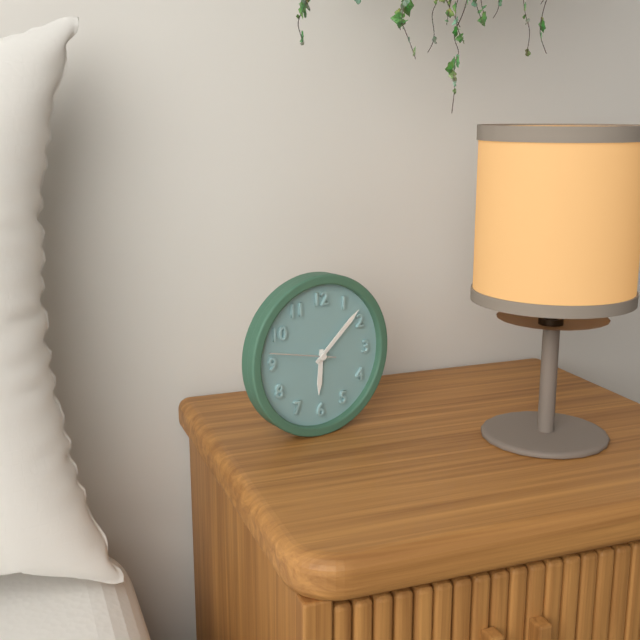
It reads 6:08:47
